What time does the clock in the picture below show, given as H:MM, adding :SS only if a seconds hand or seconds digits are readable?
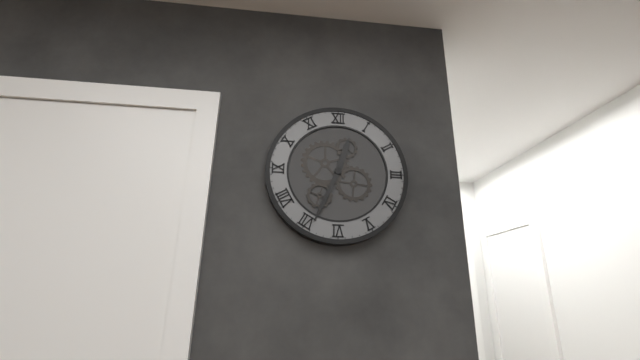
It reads 12:34
